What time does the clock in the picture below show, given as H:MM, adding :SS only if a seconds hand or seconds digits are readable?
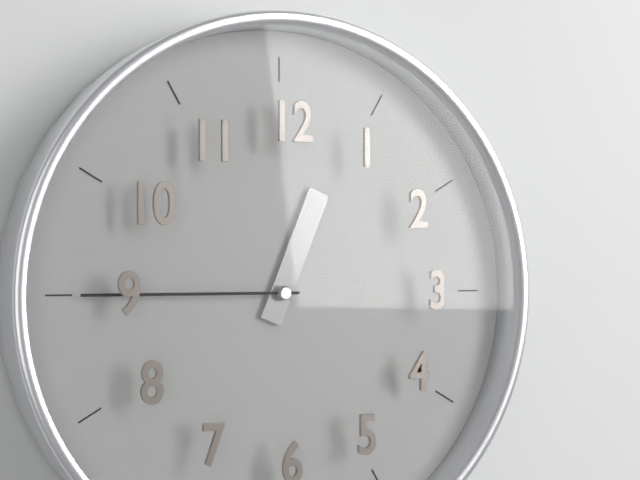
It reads 12:45
